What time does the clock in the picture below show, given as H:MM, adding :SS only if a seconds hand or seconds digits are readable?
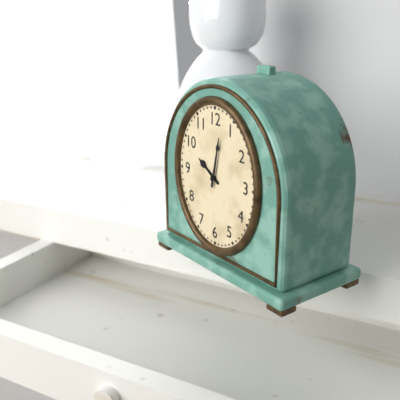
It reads 10:02
